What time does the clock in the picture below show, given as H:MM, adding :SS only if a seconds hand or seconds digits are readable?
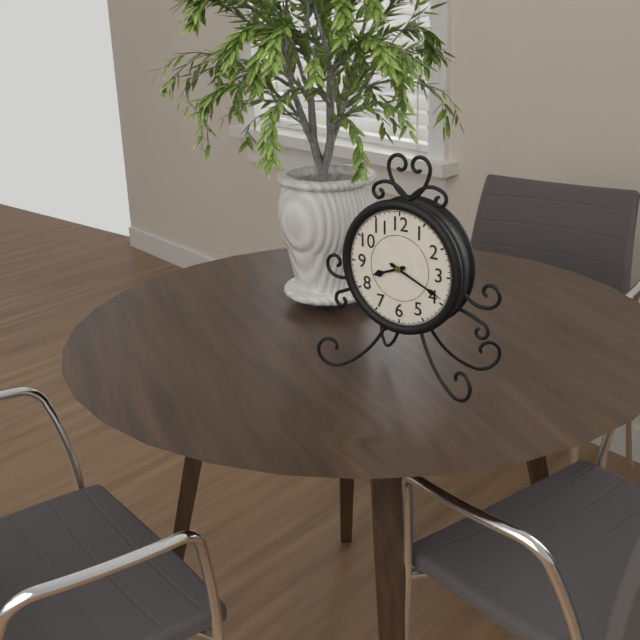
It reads 8:19
